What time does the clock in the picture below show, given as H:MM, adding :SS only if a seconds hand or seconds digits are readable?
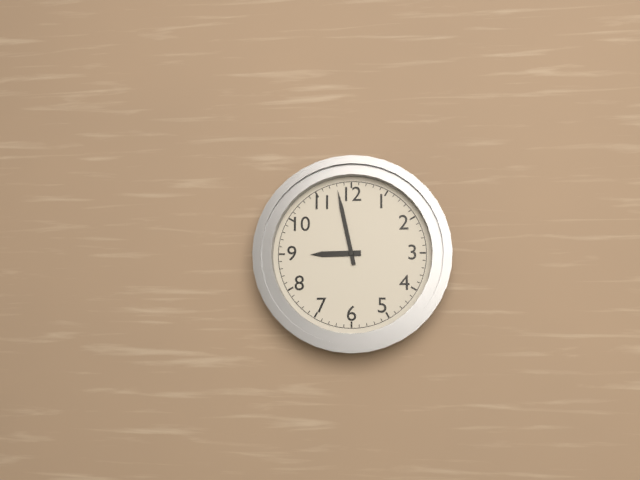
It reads 8:58
